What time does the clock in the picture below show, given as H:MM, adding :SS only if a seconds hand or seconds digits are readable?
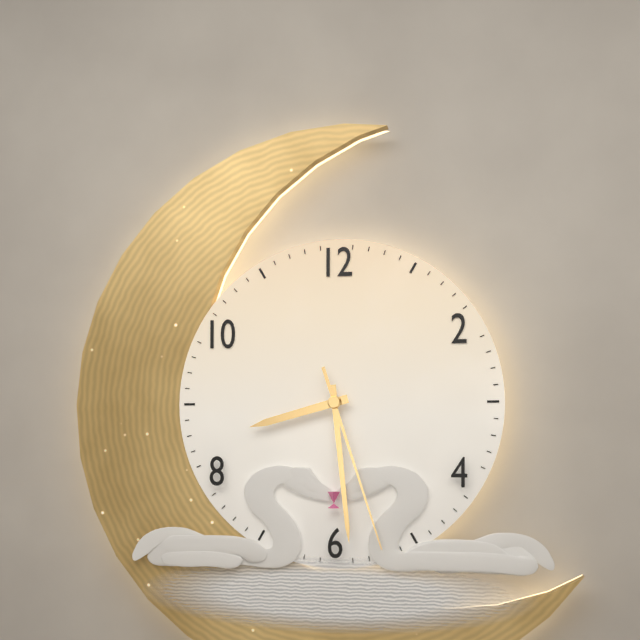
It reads 8:29:27
